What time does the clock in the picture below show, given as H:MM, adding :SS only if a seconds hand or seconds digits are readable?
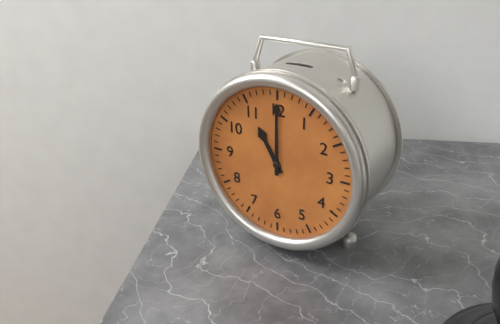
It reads 11:00
